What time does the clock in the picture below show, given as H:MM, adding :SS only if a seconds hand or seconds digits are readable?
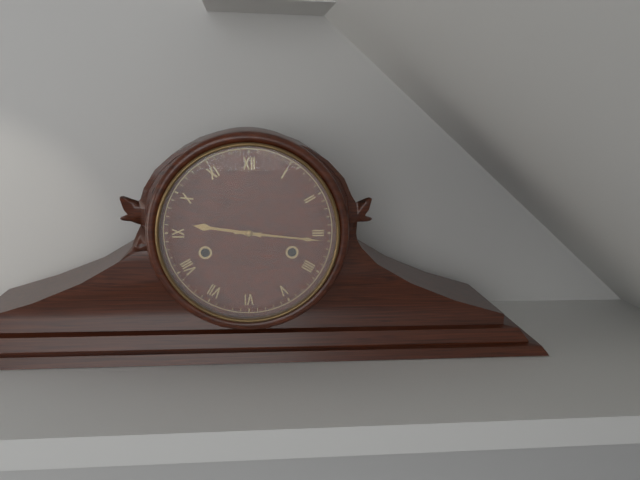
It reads 9:16
